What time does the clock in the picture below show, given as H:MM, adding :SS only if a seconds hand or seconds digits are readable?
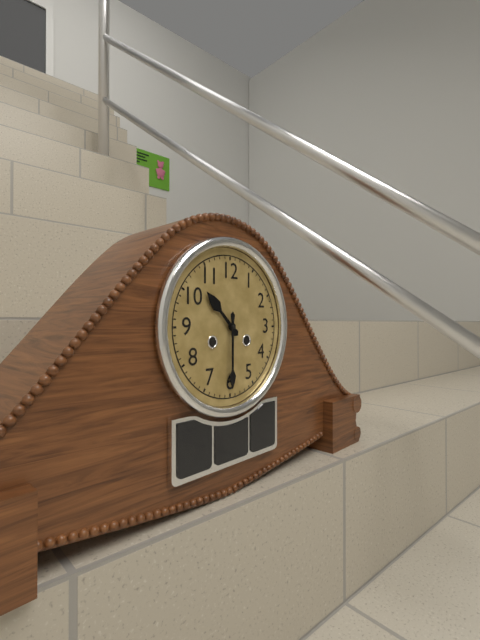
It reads 10:30
